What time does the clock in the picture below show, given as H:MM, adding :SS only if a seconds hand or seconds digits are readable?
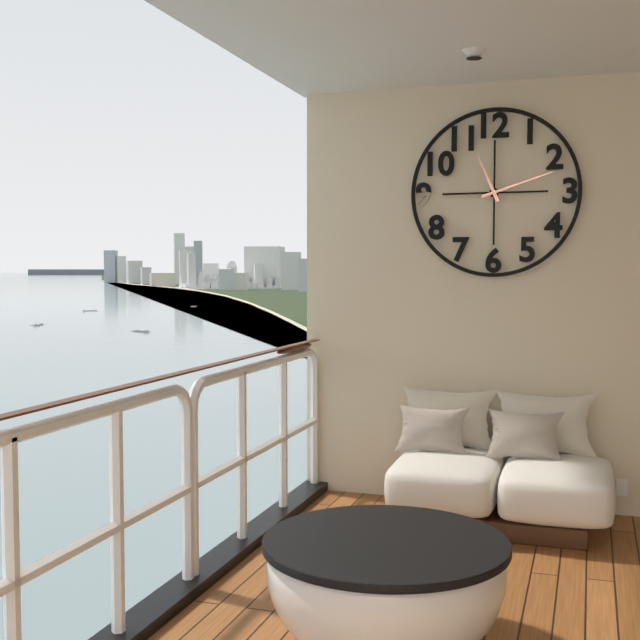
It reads 11:12
